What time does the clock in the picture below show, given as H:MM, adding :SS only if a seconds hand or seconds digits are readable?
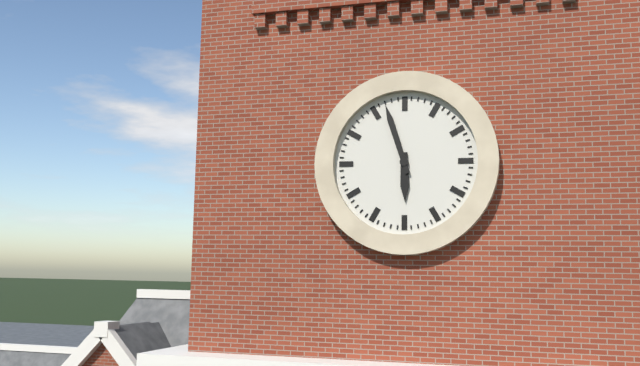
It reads 5:57
